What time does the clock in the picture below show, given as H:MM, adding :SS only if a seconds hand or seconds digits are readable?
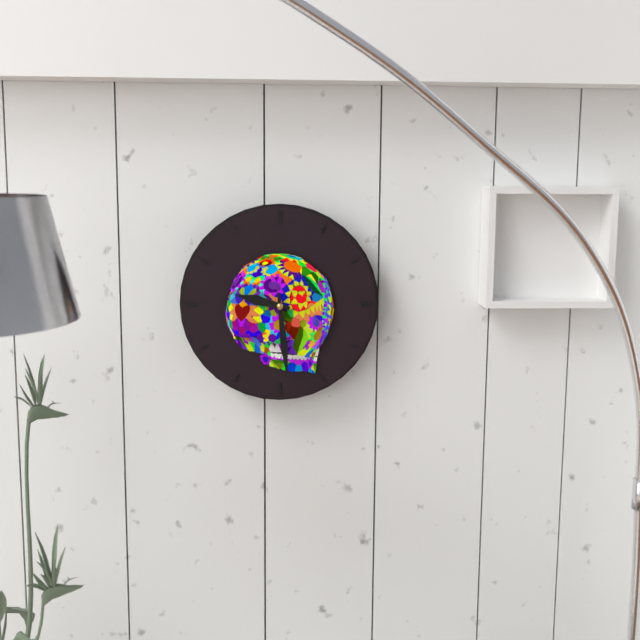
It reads 9:29
